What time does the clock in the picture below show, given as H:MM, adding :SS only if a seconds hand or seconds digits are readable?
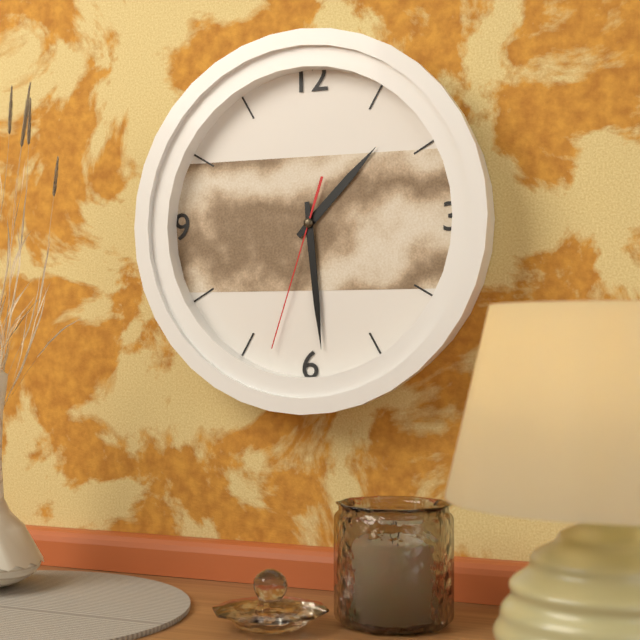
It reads 1:29:33
